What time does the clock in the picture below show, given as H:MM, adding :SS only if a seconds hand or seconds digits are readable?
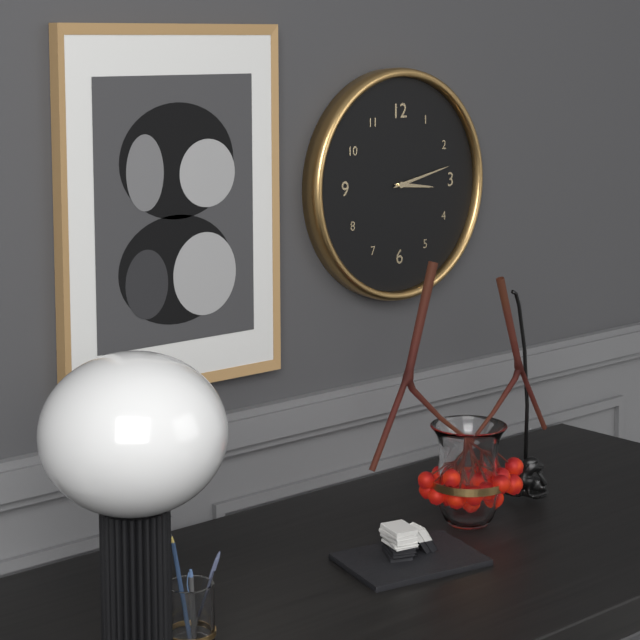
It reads 3:13
